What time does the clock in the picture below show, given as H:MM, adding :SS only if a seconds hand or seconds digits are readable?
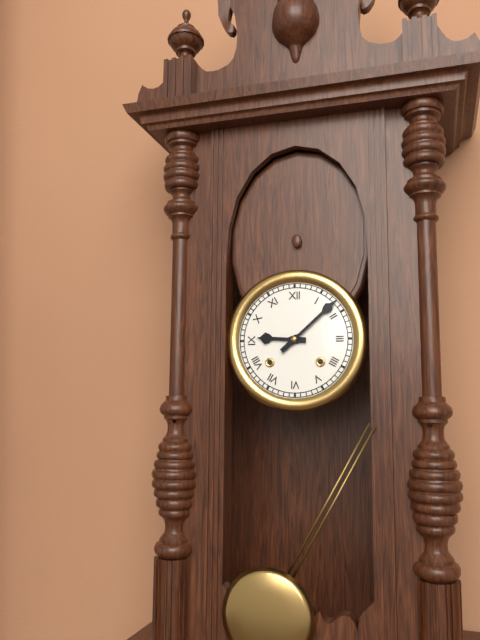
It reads 9:08
